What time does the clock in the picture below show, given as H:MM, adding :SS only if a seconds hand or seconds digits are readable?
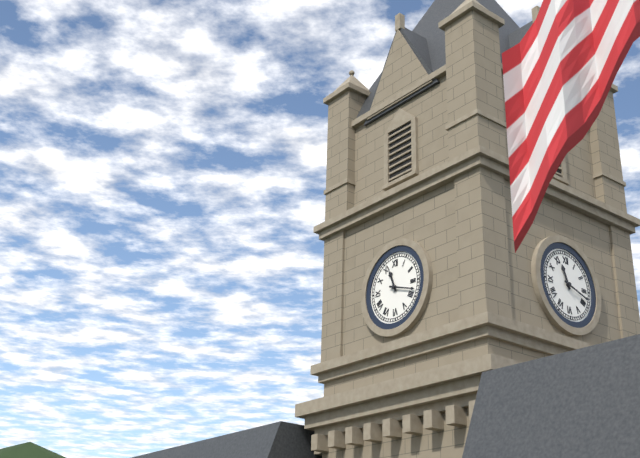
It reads 11:18
